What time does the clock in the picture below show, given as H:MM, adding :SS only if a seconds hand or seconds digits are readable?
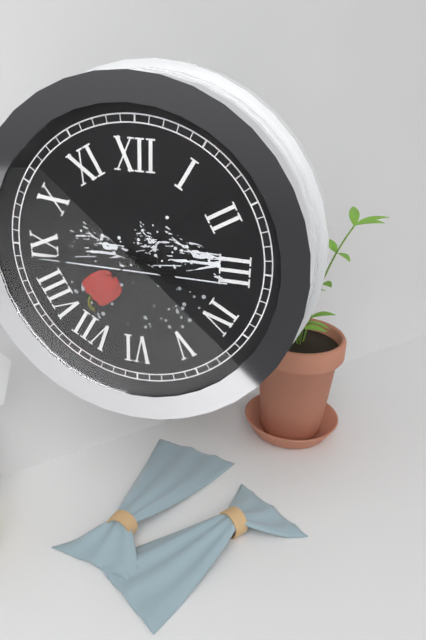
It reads 3:44:08
